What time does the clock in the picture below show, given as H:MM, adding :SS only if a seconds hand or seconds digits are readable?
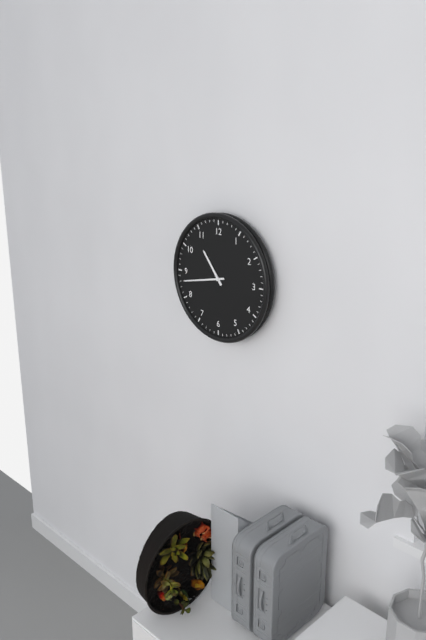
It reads 10:43
